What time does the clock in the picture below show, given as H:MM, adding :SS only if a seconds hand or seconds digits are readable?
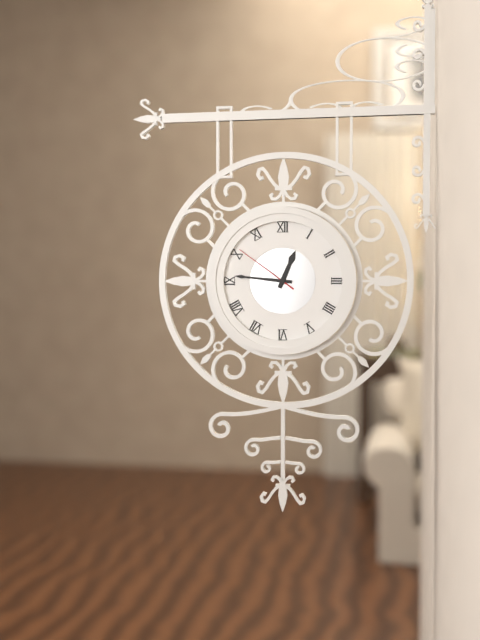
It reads 12:46:51
